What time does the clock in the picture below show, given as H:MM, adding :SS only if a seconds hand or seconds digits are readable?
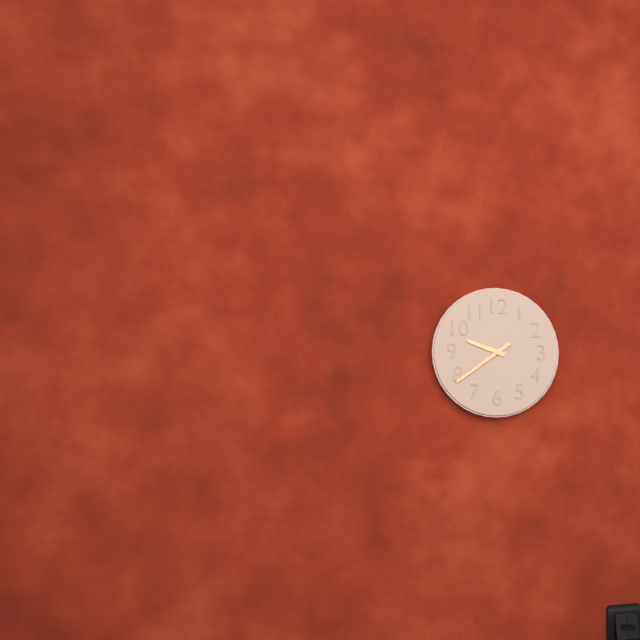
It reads 9:39
